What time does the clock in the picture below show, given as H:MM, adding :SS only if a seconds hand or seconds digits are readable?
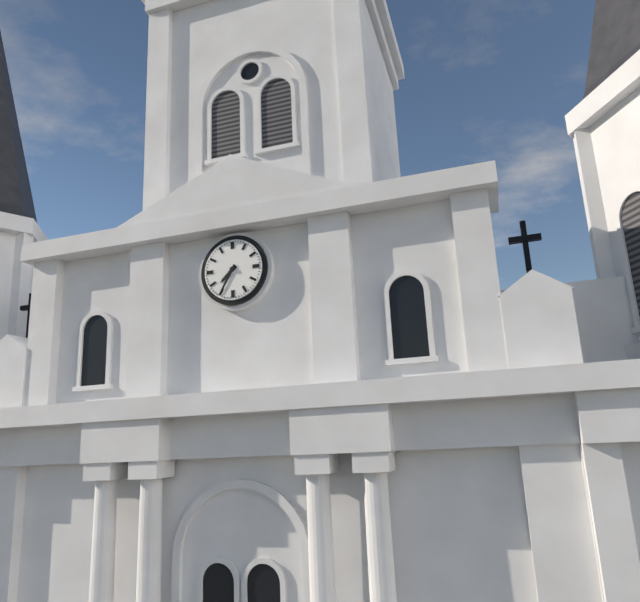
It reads 7:35
